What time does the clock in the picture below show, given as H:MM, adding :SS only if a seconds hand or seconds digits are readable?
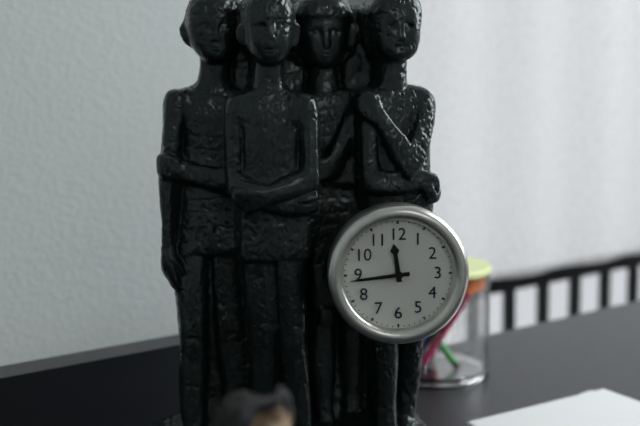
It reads 11:44
